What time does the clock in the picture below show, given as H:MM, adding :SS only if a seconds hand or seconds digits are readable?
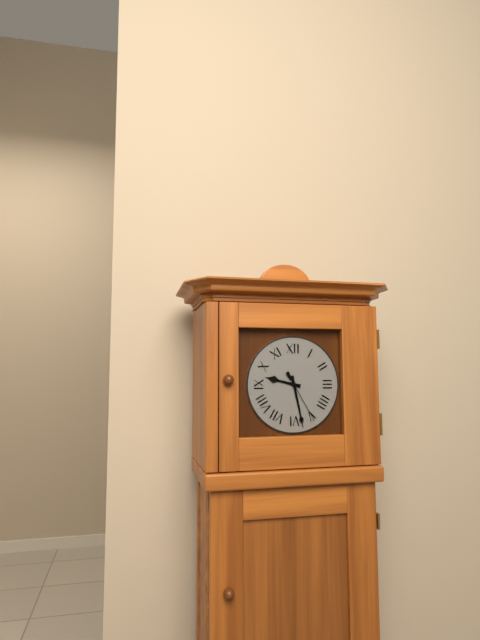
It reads 9:28:25
